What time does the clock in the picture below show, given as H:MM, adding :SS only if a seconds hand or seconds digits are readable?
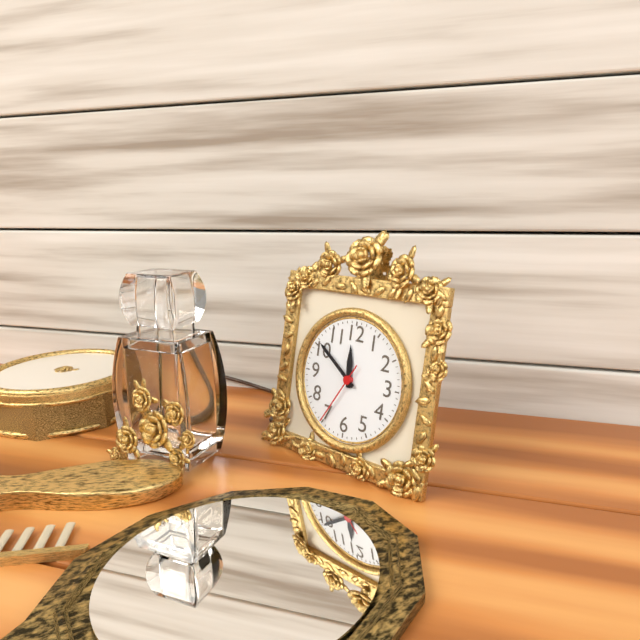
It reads 11:51:35
